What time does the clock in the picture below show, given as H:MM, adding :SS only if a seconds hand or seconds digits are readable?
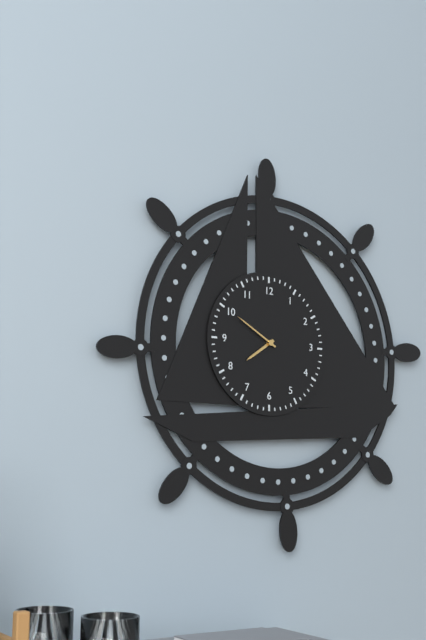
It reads 7:50
